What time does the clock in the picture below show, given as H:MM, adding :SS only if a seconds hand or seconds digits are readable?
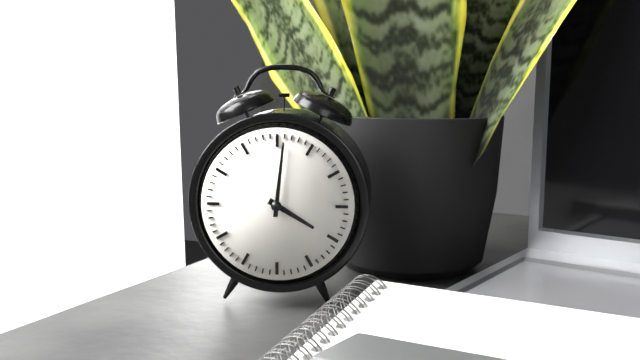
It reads 4:01
